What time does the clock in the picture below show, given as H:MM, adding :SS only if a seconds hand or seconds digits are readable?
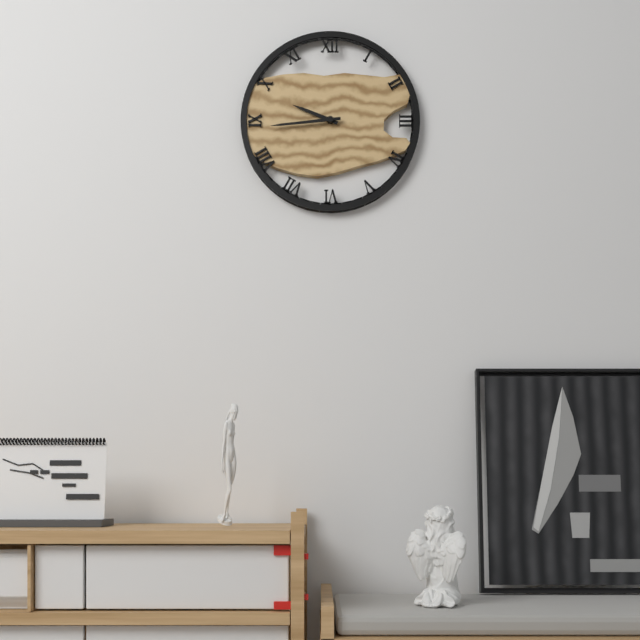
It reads 9:44
